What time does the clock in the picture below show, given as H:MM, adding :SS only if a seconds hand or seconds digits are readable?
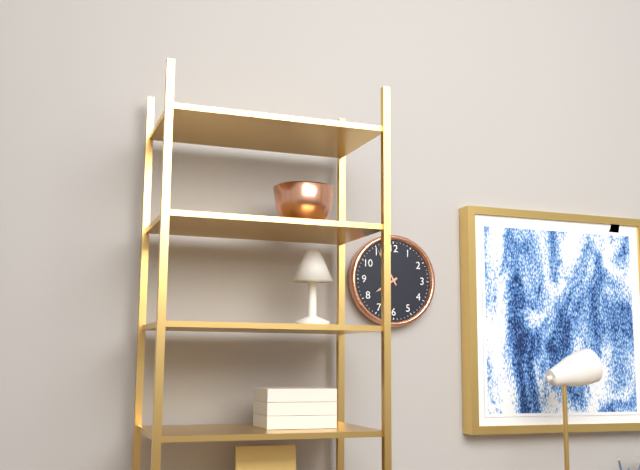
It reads 7:55
